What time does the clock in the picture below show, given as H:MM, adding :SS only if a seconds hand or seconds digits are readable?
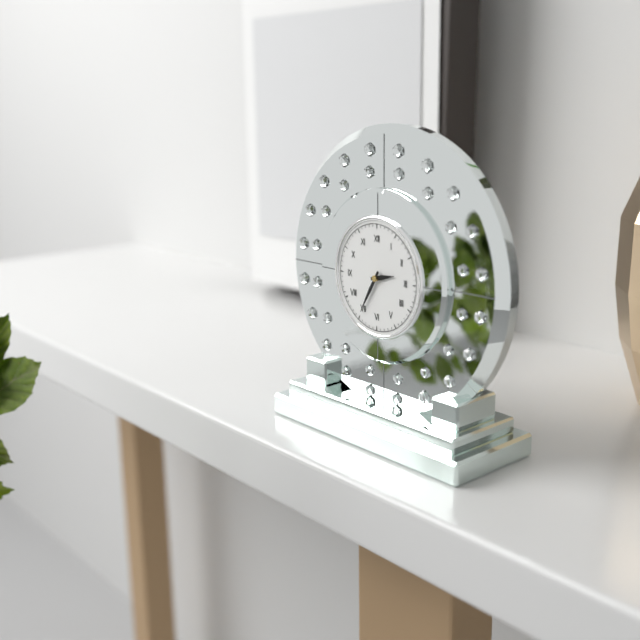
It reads 2:35
